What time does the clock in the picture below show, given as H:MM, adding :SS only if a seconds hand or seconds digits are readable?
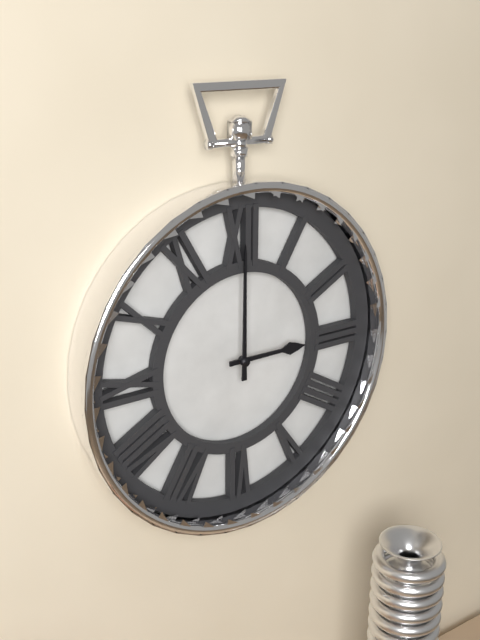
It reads 3:00
